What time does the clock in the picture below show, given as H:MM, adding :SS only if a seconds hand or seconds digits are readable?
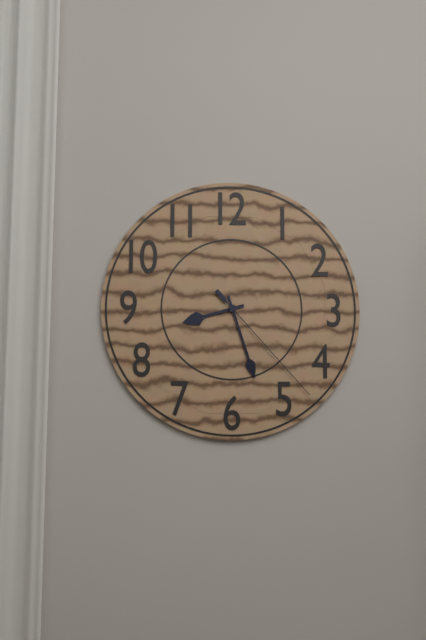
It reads 8:27:23
